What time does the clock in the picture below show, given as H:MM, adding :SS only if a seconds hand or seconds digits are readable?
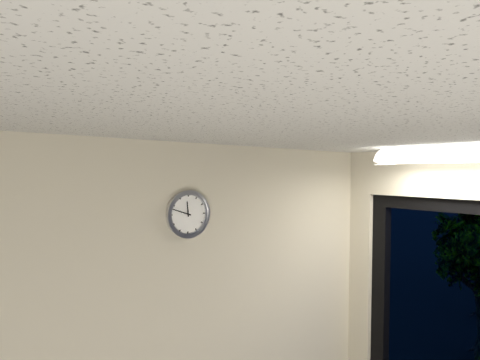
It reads 11:48
